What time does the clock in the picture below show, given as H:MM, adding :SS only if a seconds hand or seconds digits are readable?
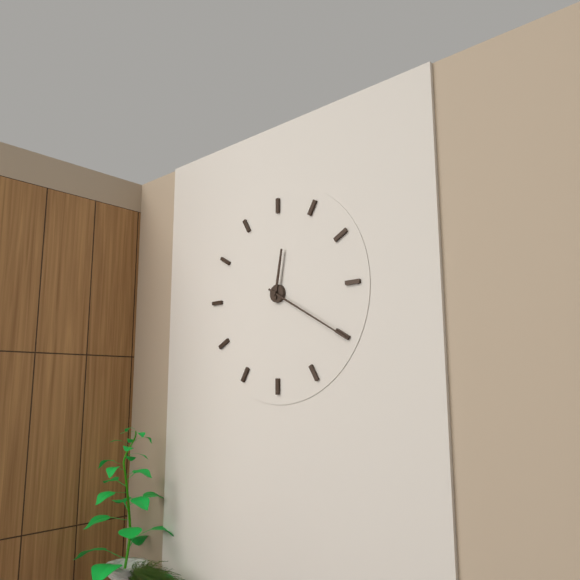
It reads 12:20
